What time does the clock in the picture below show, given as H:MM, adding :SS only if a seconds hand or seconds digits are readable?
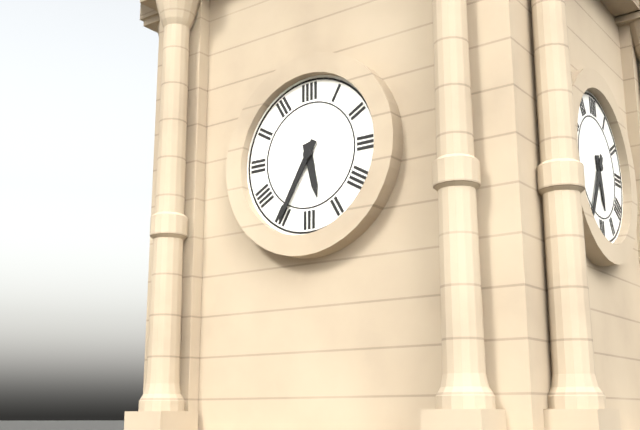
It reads 5:35
